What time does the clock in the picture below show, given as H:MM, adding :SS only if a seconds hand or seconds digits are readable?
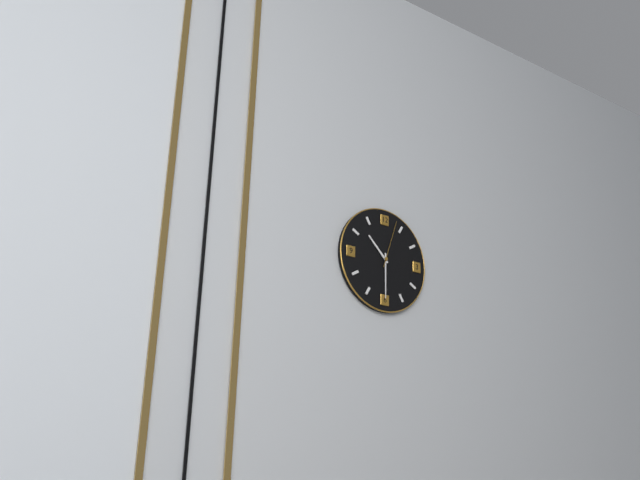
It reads 10:30
